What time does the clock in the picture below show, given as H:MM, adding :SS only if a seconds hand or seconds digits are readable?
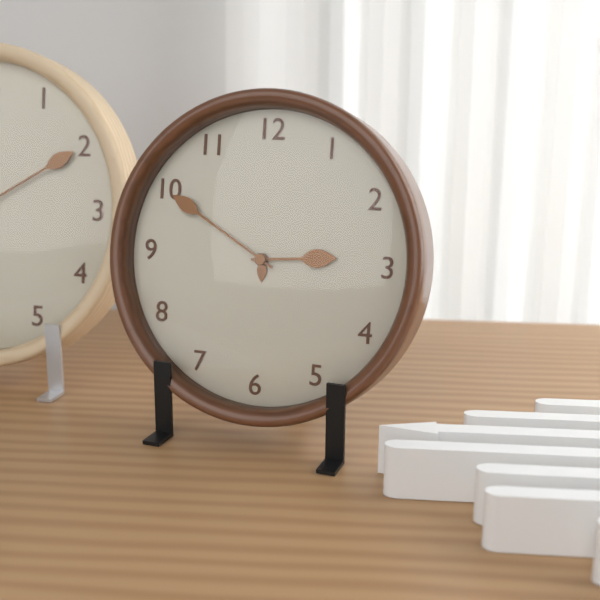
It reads 2:50
